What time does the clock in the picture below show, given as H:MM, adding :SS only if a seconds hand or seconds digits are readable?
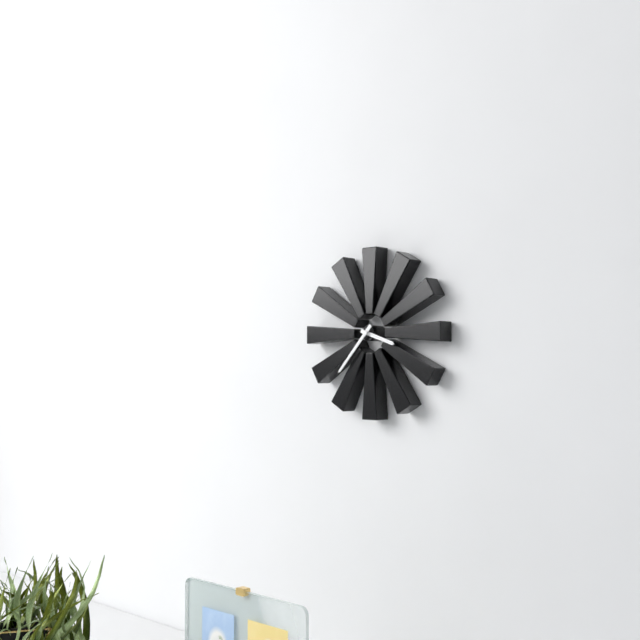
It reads 3:37
